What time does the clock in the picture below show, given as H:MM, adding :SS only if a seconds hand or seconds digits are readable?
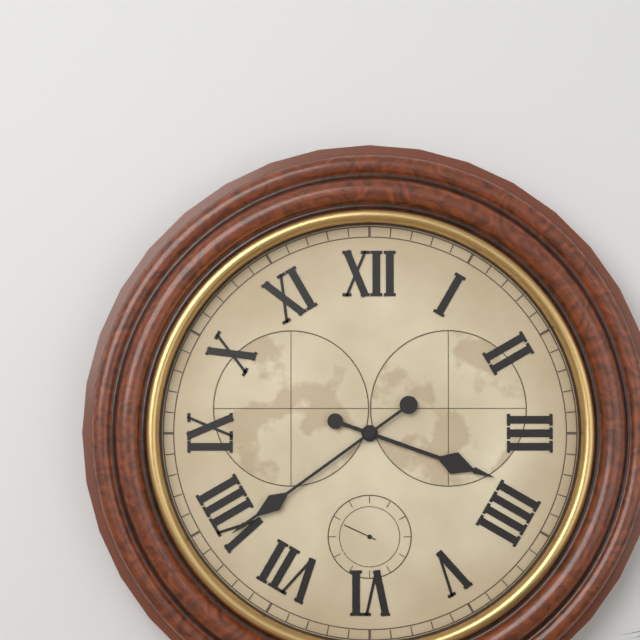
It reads 3:39
